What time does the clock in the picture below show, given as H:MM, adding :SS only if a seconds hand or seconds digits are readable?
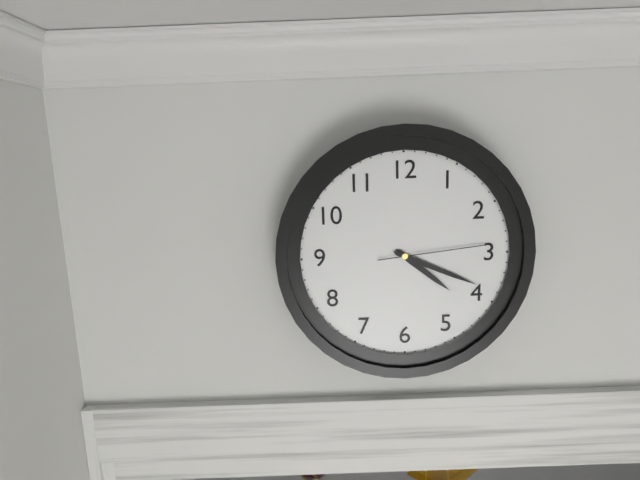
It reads 4:19:14
